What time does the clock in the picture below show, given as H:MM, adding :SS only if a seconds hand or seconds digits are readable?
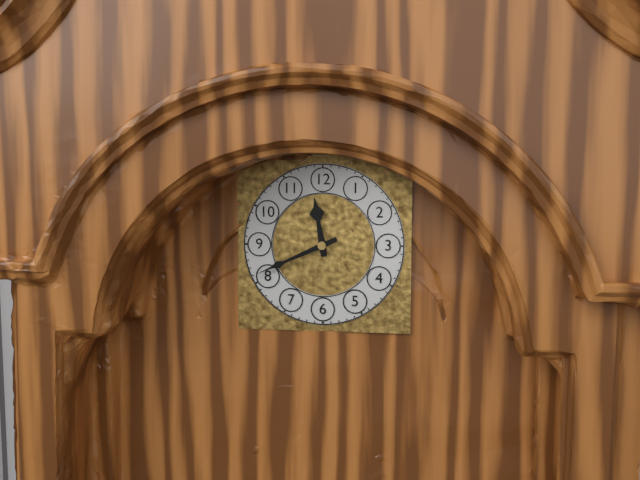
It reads 11:41
